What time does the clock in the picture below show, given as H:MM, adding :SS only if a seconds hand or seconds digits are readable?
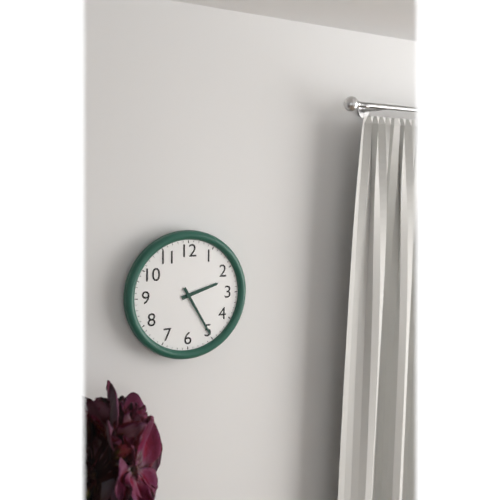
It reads 2:25
